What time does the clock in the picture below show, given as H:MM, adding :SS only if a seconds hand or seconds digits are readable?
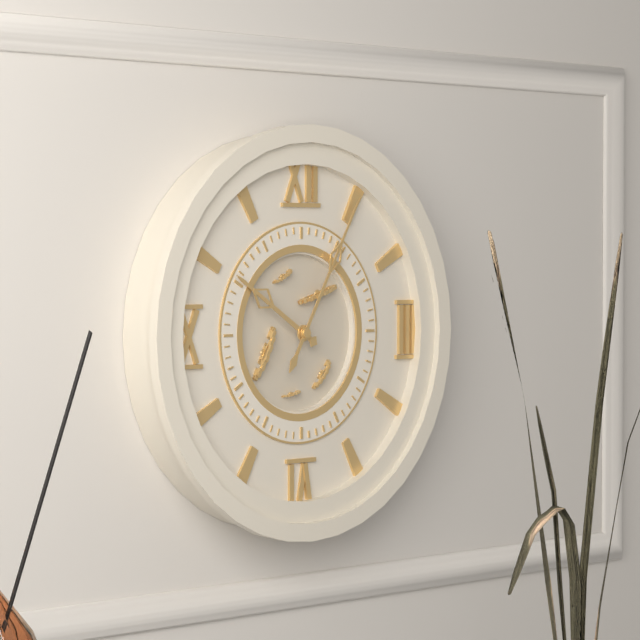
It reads 10:05
